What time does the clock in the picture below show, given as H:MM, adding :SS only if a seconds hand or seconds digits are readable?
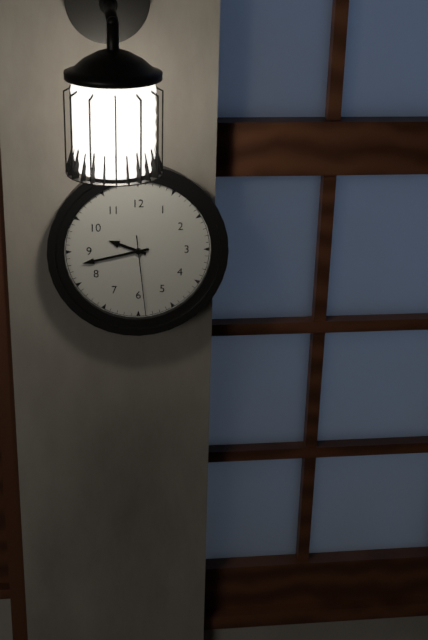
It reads 9:43:29
